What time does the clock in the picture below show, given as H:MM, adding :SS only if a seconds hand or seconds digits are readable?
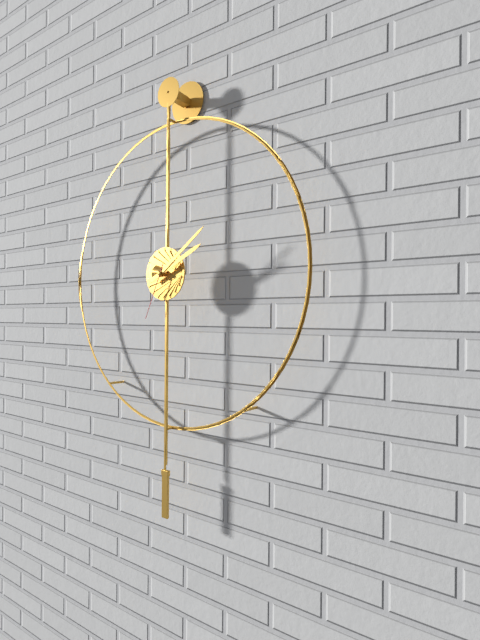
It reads 2:09:34
